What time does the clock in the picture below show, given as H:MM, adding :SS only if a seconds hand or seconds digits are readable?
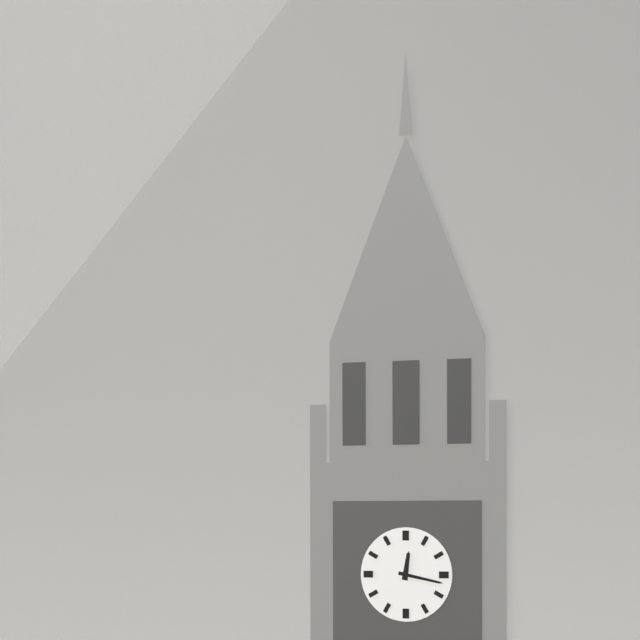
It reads 12:17
